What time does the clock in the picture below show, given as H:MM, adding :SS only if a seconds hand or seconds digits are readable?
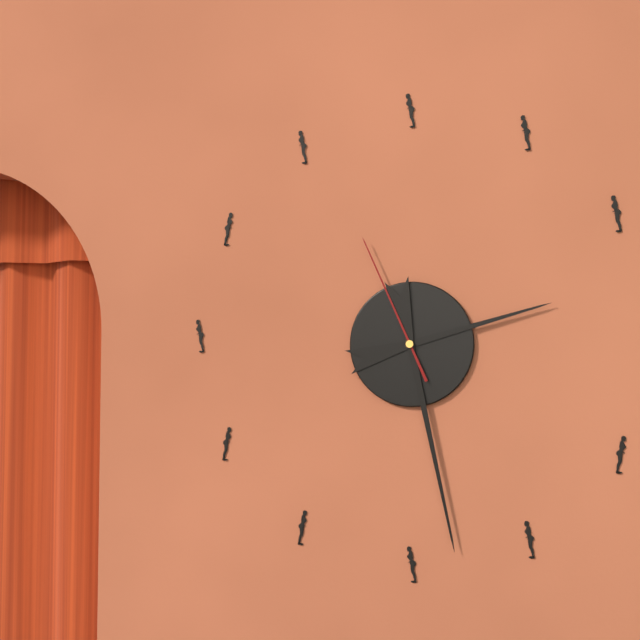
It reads 2:28:56
